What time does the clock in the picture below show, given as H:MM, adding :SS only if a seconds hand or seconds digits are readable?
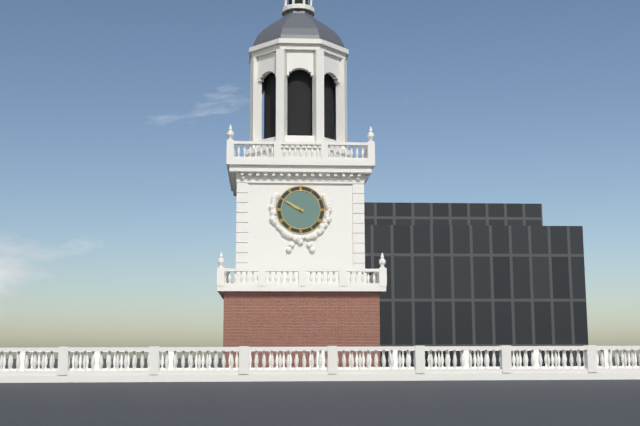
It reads 9:50
